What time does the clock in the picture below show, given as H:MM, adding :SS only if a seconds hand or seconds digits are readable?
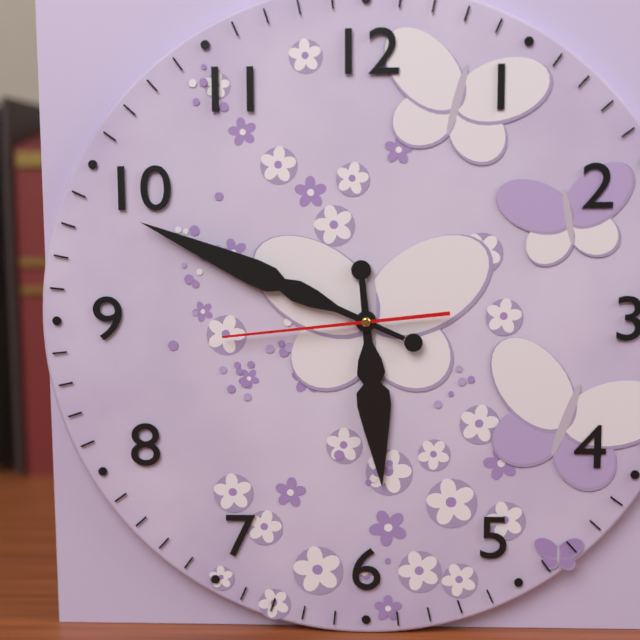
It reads 5:49:44
